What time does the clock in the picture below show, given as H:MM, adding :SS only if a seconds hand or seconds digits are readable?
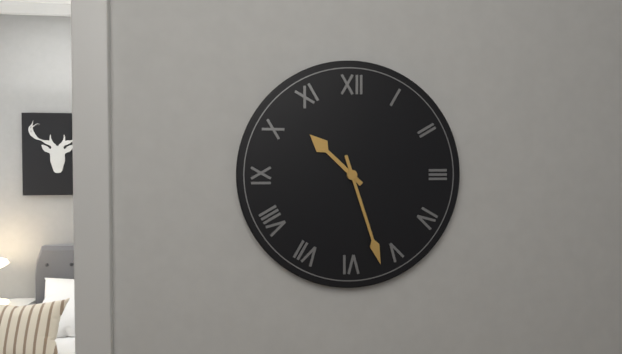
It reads 10:27
